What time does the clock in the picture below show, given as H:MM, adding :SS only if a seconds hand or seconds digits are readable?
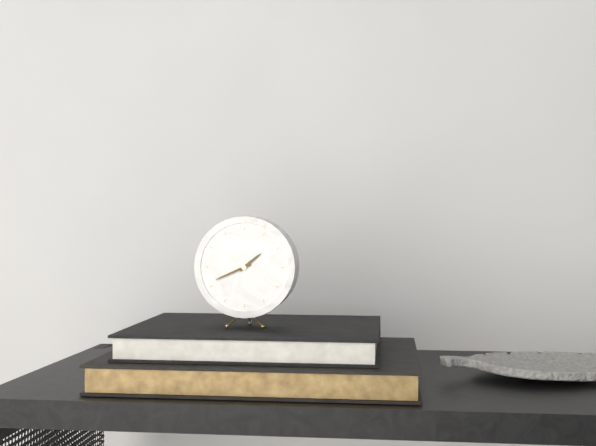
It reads 1:41
